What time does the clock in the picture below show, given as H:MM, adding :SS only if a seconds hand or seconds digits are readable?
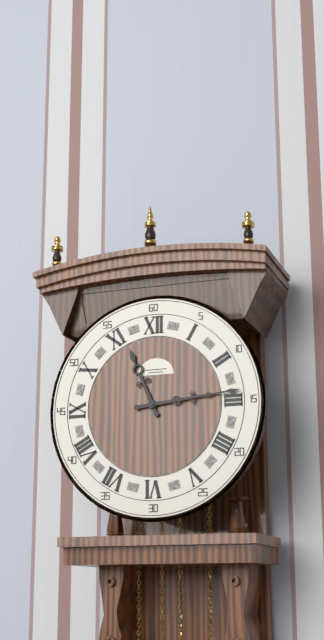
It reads 11:14
